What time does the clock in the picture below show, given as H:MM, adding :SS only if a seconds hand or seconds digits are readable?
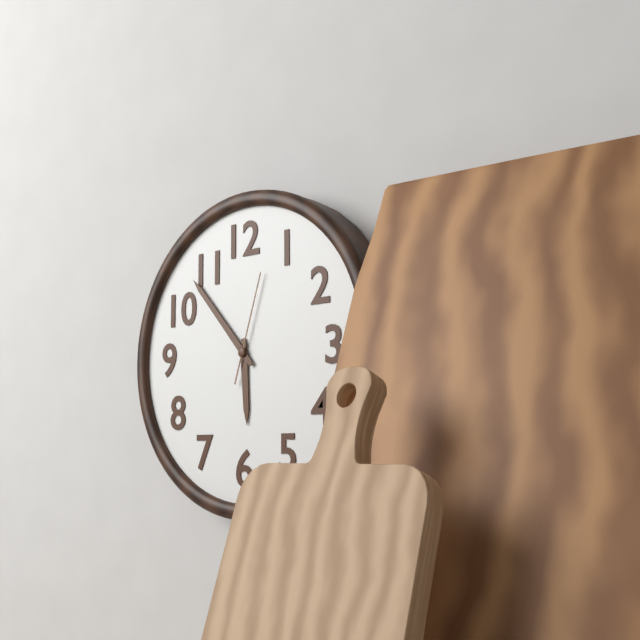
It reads 5:53:03
